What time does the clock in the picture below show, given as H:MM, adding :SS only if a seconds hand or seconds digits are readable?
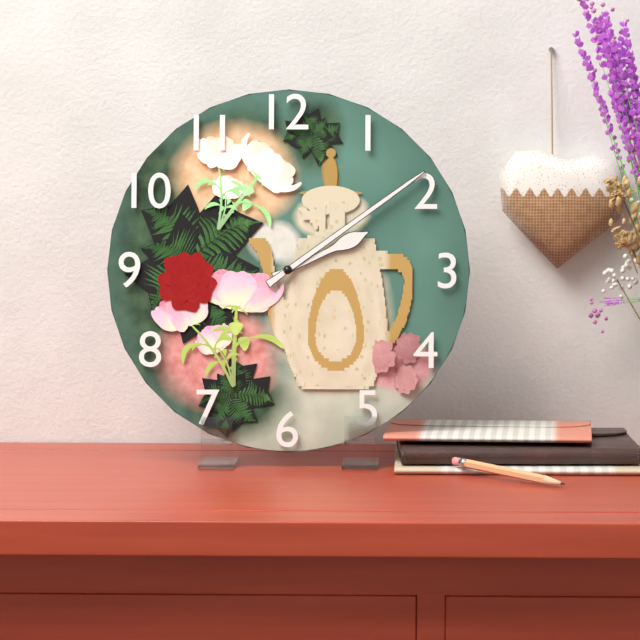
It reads 2:09
